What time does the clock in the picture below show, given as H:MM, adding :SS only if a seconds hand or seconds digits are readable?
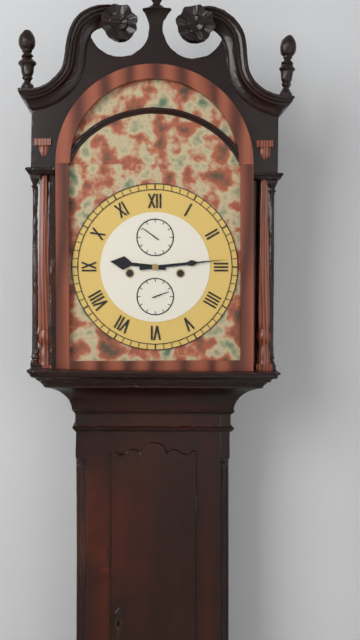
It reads 9:14
